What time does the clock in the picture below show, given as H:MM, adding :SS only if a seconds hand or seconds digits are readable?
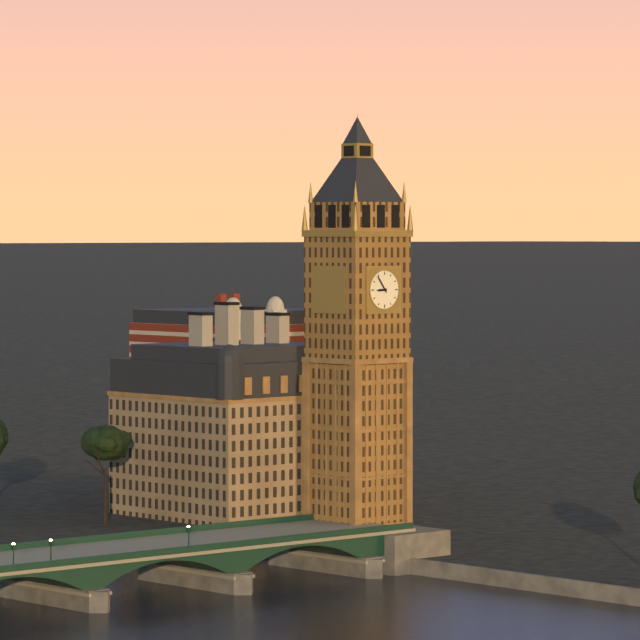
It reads 8:54
